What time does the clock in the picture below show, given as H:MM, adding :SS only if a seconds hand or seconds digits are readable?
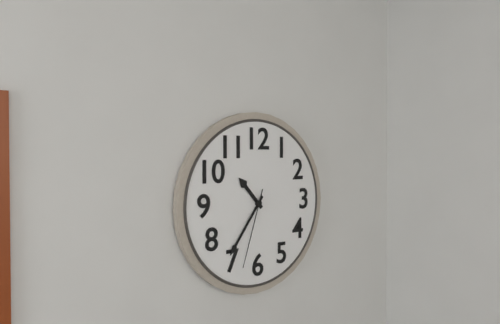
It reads 10:36:33
